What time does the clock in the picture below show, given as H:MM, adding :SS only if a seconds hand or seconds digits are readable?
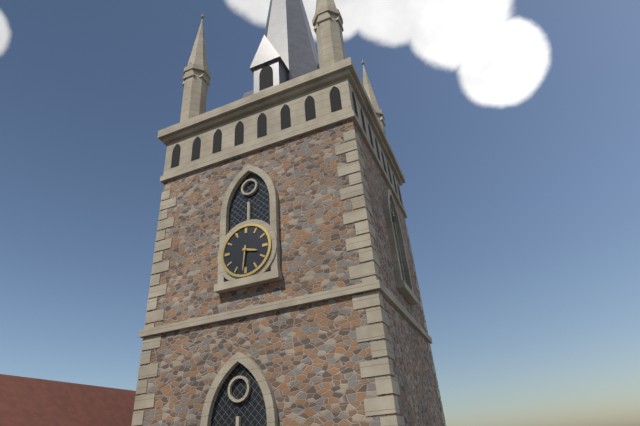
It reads 3:31
